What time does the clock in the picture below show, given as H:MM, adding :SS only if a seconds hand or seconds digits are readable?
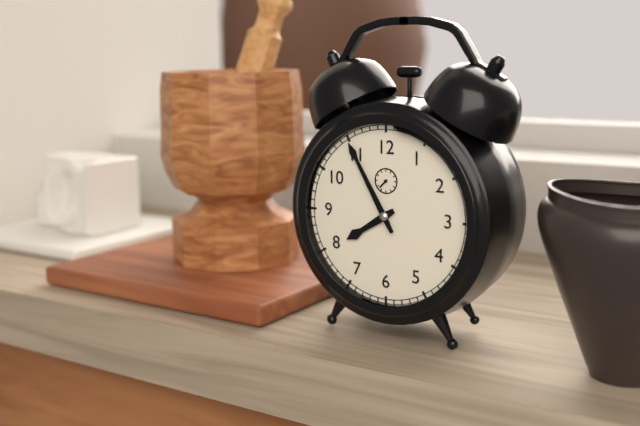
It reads 7:55
